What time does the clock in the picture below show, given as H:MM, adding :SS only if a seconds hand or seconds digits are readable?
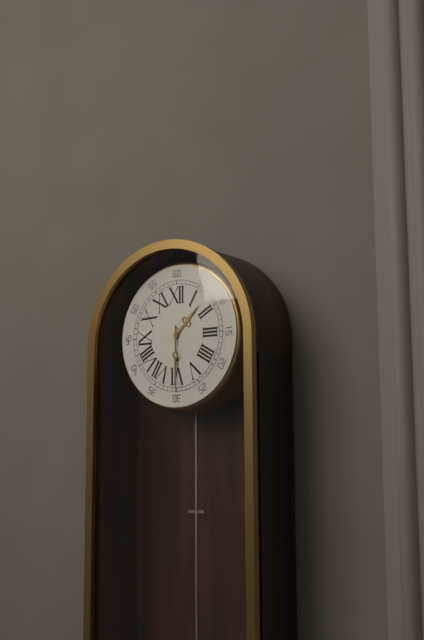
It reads 1:30
